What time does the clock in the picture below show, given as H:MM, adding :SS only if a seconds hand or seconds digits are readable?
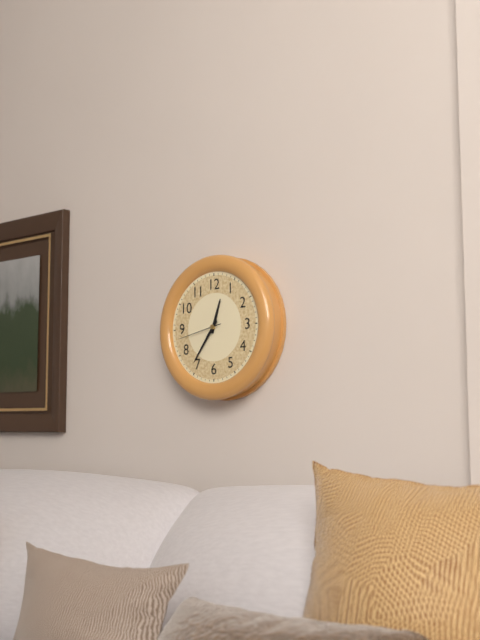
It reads 12:36
